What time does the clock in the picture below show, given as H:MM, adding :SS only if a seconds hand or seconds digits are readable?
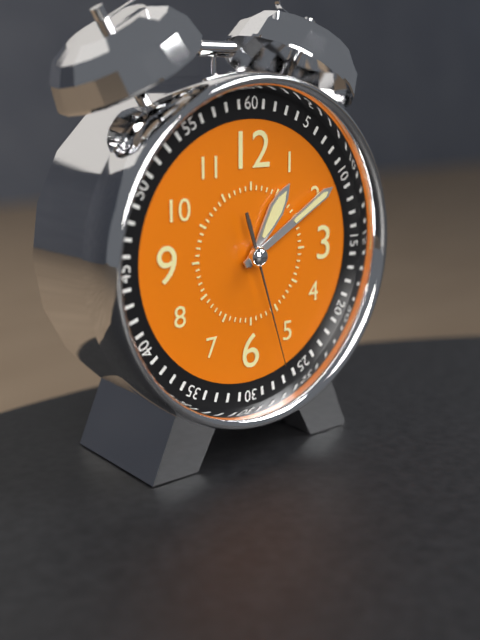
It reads 1:10:27
